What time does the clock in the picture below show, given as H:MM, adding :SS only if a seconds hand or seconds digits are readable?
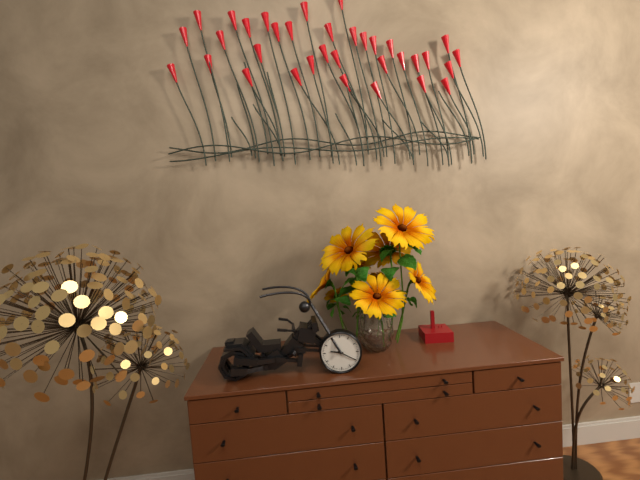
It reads 9:20
